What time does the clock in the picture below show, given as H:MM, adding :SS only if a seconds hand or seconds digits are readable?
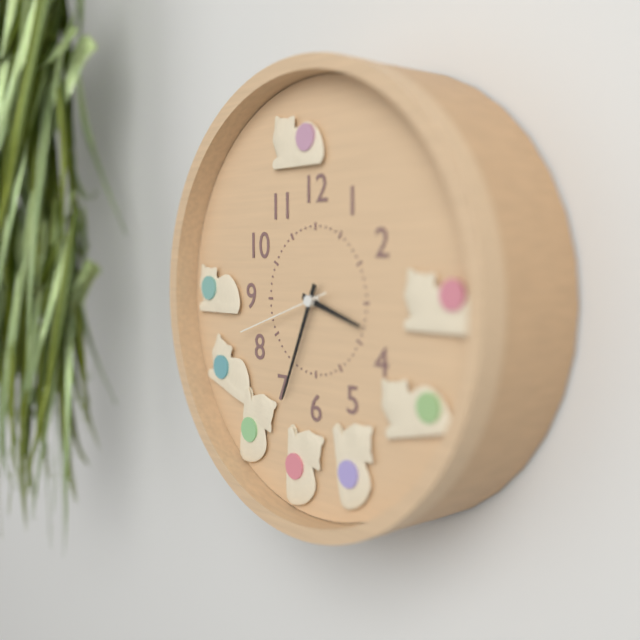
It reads 3:34:42
